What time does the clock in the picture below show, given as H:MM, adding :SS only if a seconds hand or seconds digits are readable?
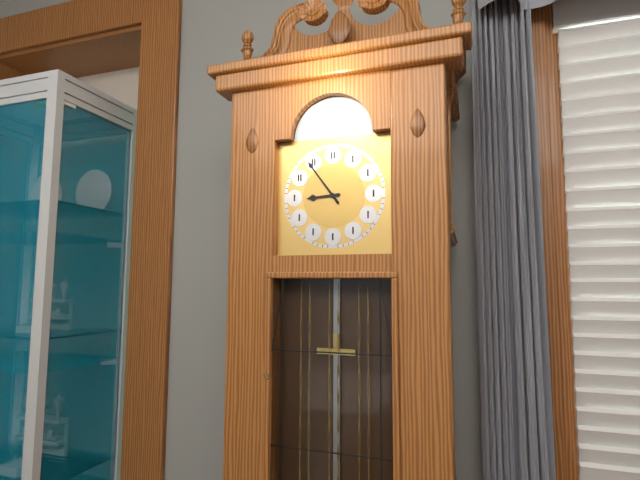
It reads 8:54
